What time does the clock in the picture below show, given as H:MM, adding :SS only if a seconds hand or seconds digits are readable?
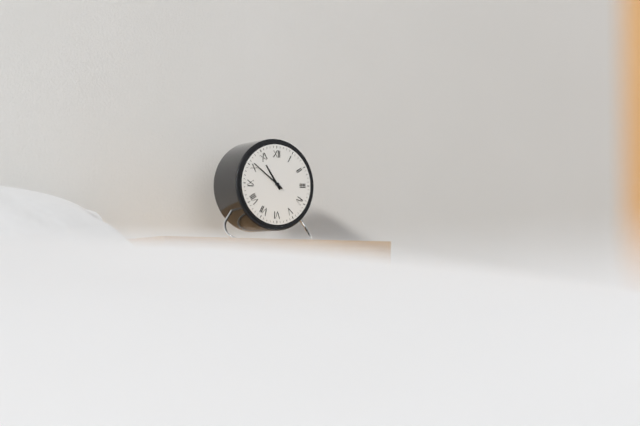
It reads 10:51
